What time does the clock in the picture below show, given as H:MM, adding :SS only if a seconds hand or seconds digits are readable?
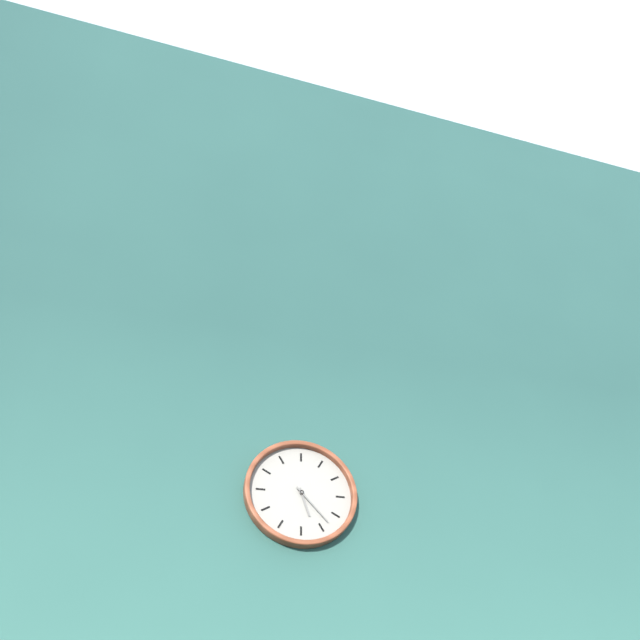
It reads 5:23
